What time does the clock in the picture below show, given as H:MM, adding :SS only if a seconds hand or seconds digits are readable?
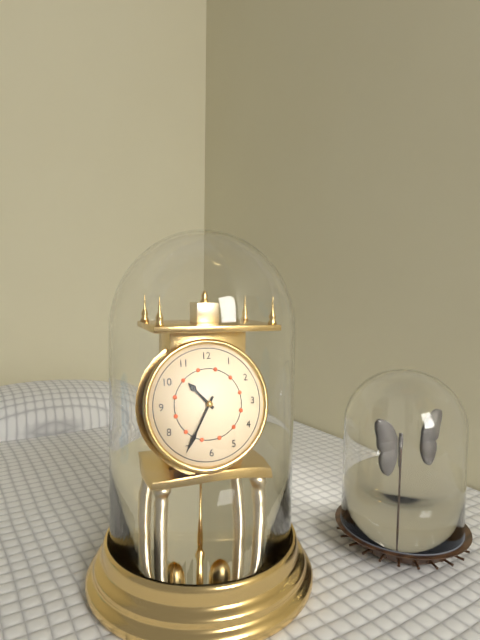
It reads 10:35
